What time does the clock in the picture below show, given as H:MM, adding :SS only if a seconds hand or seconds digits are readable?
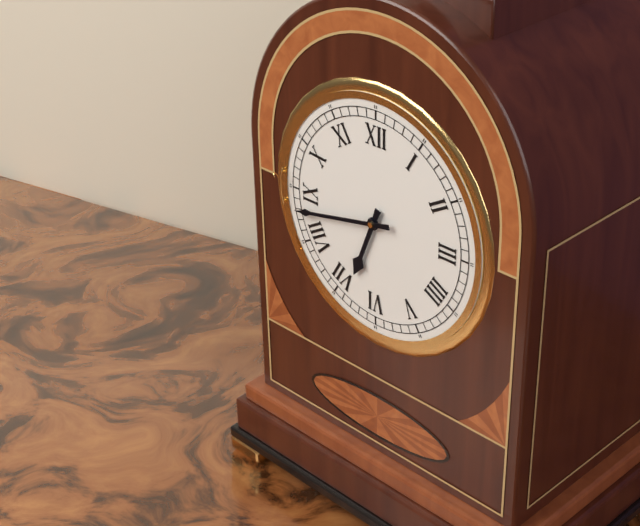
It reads 6:43
